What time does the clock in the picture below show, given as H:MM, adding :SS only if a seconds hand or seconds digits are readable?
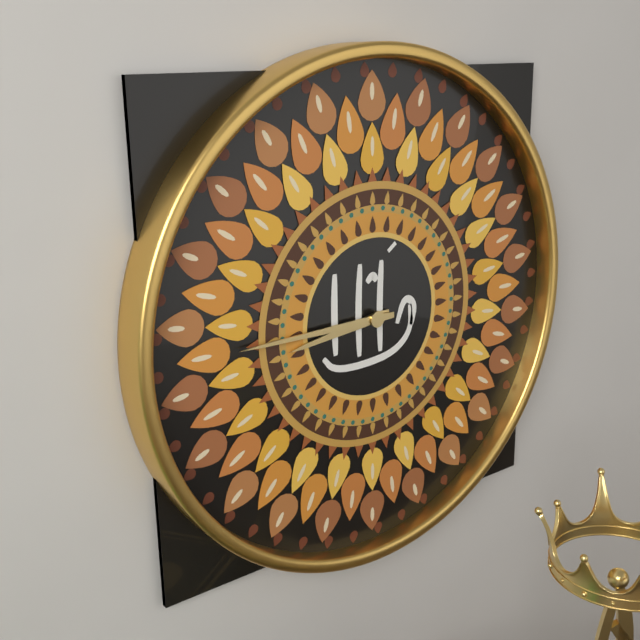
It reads 8:45
